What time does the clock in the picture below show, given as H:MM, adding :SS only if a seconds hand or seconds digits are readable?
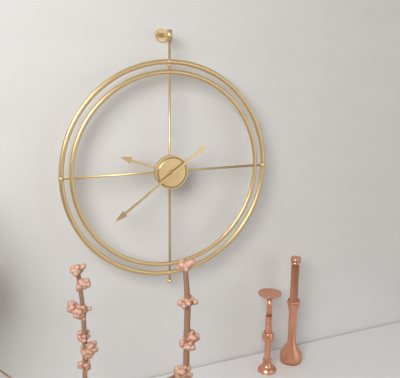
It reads 9:39
